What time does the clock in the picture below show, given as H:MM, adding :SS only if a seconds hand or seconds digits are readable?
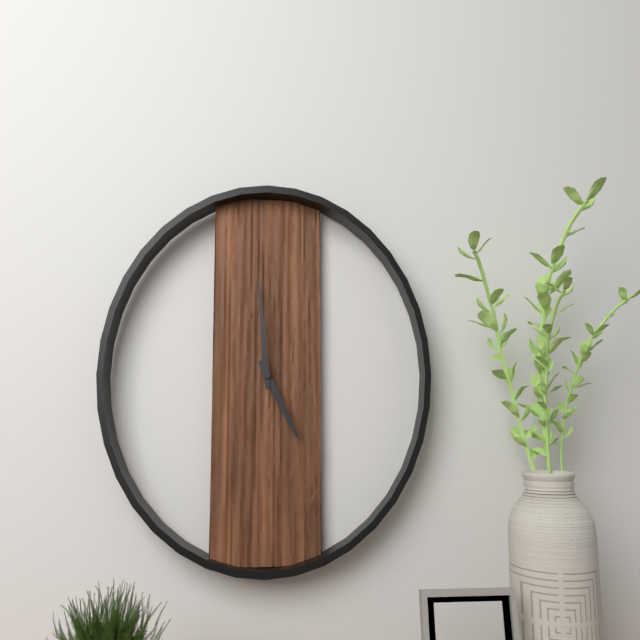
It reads 4:59
